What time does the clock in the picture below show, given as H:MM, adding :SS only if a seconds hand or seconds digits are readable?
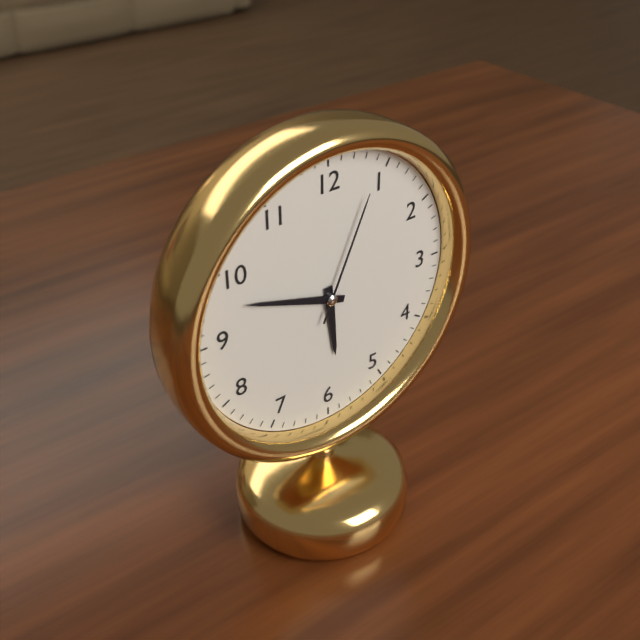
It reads 5:48:04
